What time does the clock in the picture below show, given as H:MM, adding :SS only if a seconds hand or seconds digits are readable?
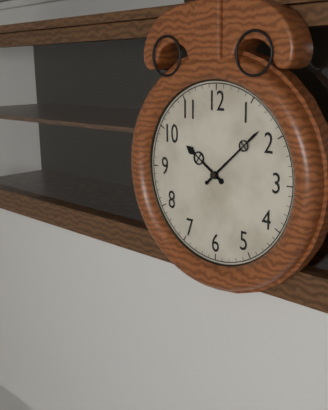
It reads 10:08
